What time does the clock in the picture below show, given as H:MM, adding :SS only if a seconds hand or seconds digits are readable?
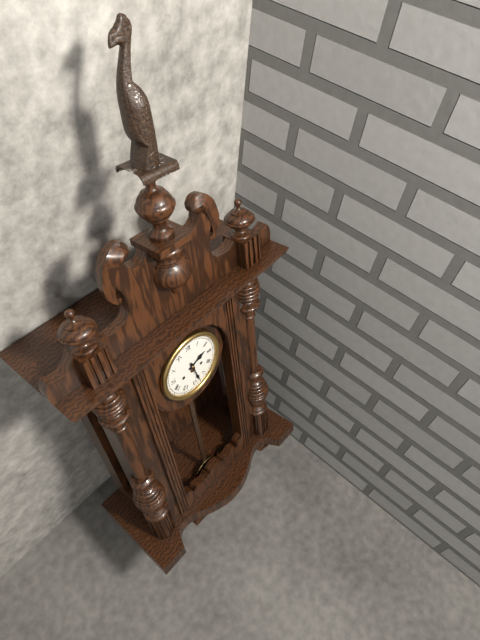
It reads 2:28
